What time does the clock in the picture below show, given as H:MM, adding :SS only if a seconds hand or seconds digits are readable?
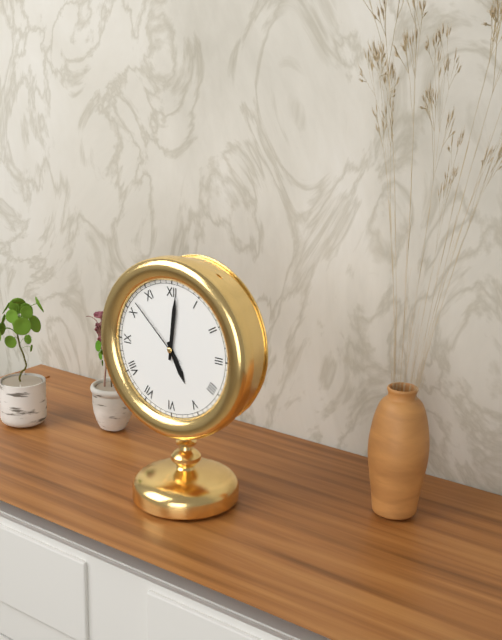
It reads 5:01:52
